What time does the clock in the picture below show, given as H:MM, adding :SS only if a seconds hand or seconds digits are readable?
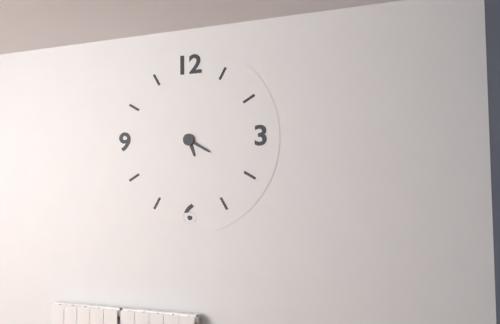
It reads 5:20
